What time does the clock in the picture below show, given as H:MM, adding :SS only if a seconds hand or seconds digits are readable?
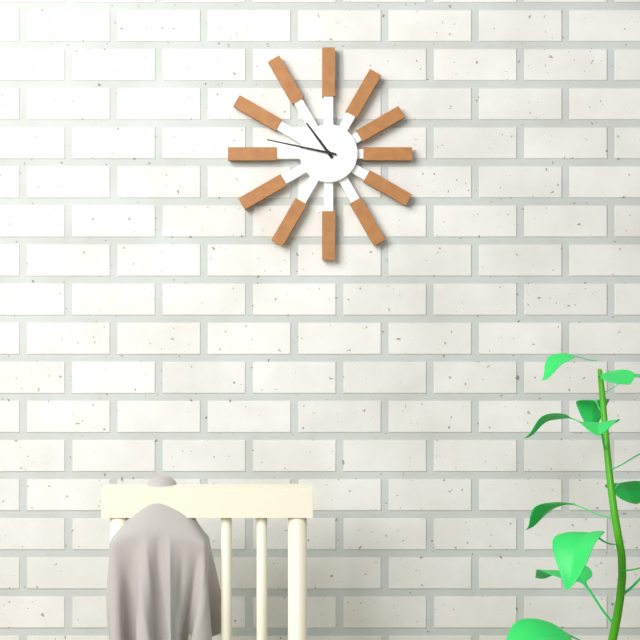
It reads 10:47
